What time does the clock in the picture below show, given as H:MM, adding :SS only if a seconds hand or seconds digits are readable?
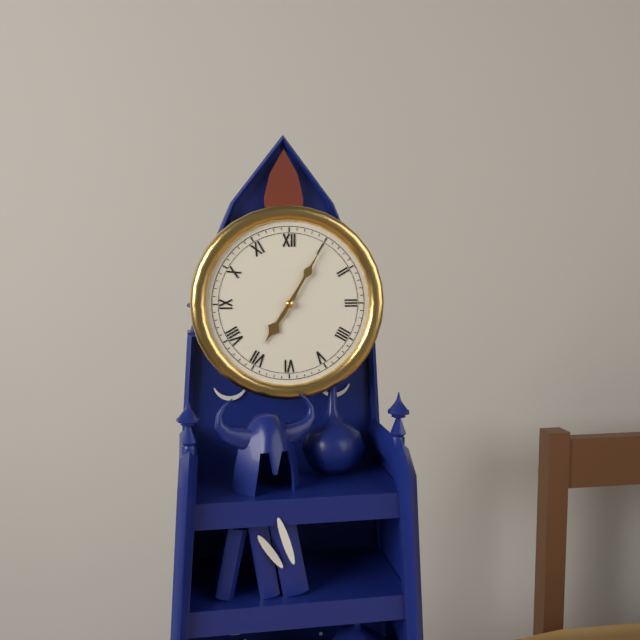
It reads 7:05
